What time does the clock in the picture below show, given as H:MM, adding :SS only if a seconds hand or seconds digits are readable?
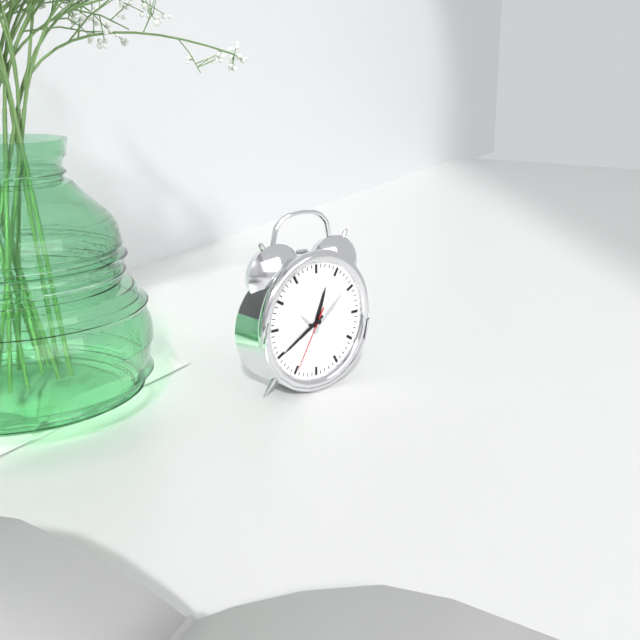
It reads 12:40:35
